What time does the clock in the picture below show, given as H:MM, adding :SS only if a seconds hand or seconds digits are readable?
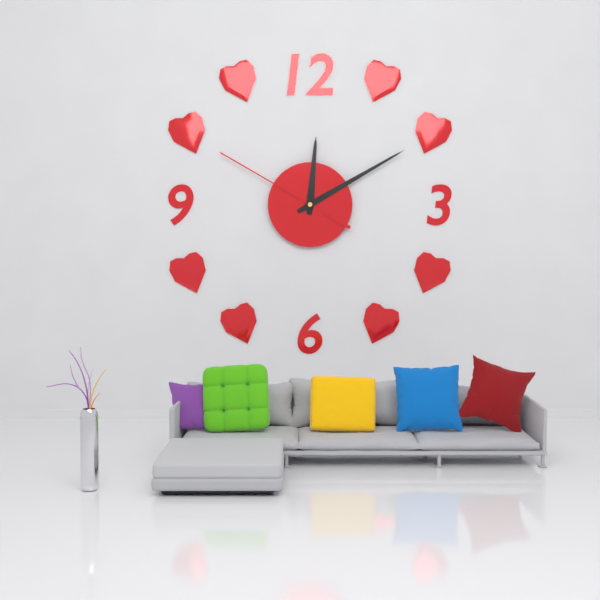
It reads 12:10:50
